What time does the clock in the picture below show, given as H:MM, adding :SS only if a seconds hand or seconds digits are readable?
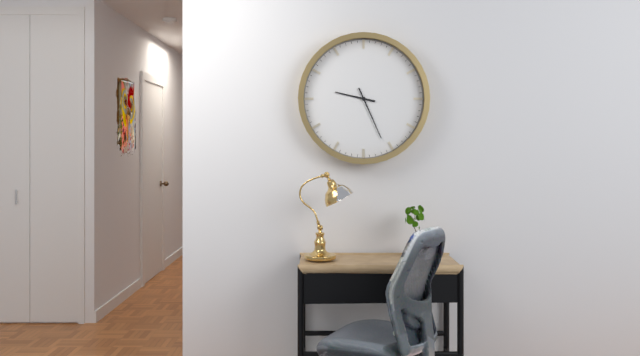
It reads 9:26
